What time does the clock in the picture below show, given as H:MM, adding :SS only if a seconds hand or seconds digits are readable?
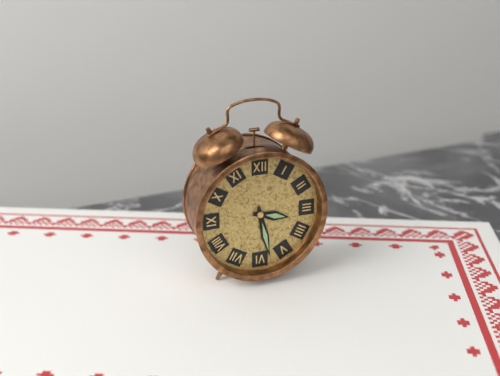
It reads 3:28
